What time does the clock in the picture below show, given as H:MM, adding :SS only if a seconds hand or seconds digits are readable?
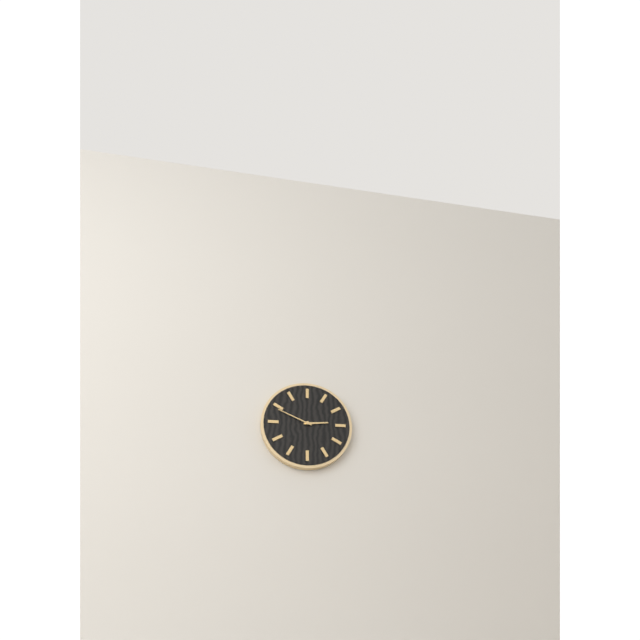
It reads 2:49
